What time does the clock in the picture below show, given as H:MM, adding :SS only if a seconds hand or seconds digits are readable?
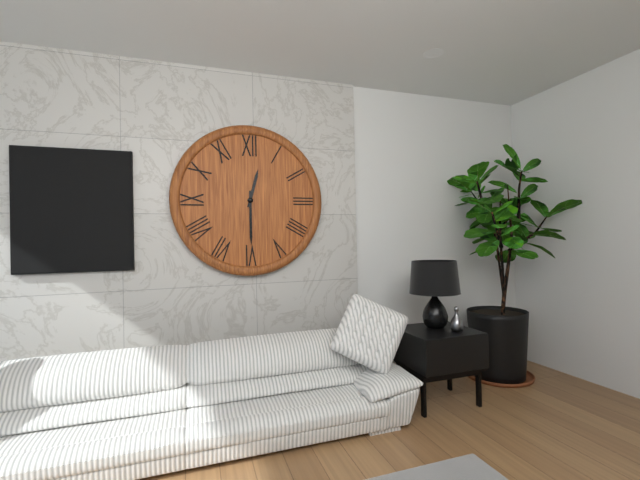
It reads 12:30
